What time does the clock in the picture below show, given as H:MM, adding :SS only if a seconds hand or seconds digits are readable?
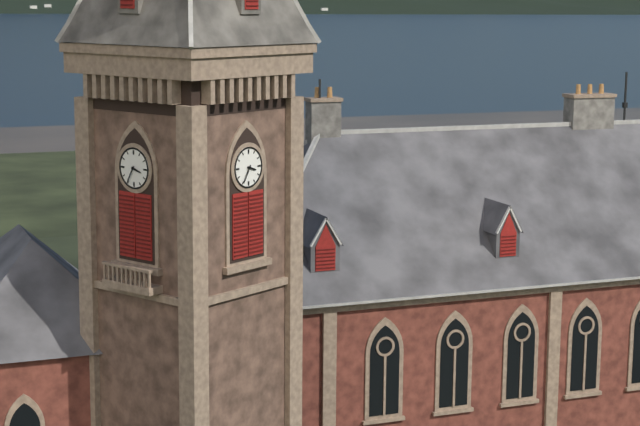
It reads 3:35
